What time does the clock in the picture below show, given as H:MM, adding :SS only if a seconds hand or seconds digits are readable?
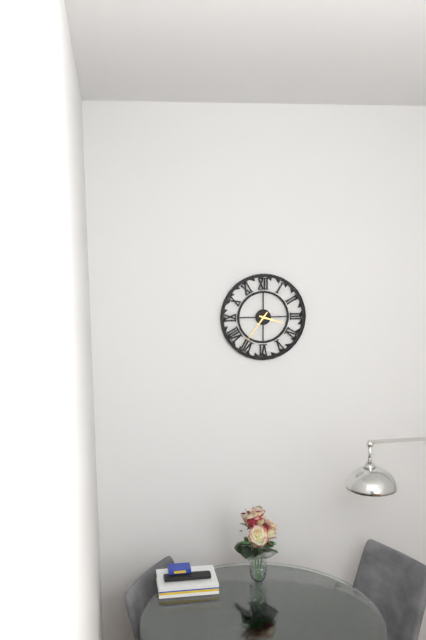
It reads 3:36
